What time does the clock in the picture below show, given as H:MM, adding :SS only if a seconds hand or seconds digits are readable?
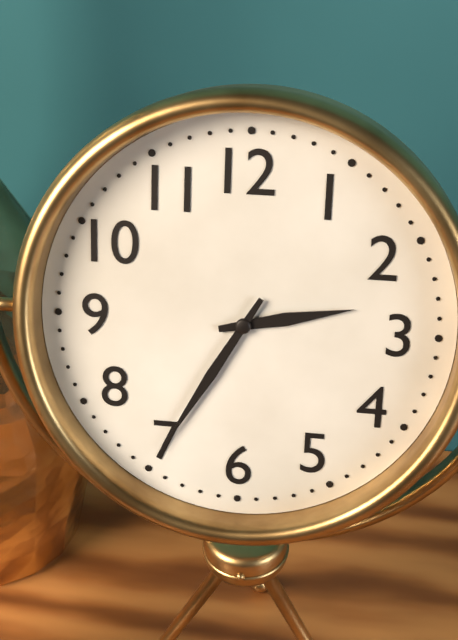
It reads 2:35
